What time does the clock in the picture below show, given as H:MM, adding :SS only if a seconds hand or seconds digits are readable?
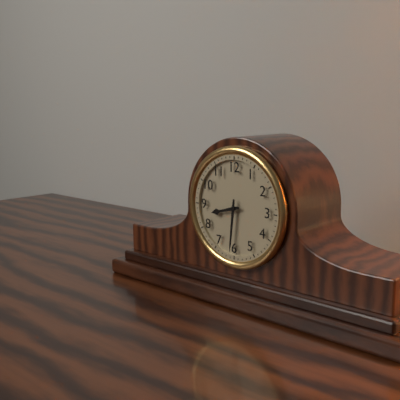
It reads 8:31
